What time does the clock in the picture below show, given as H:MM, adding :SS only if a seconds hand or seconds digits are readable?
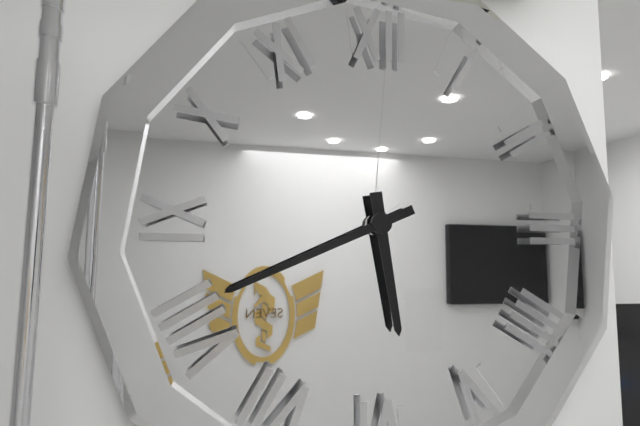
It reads 5:41
